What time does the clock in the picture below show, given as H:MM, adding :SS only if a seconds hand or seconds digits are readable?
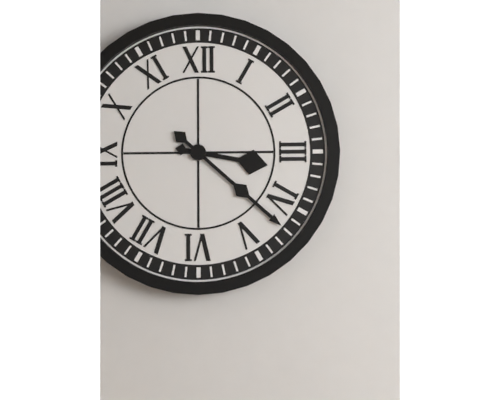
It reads 3:22
